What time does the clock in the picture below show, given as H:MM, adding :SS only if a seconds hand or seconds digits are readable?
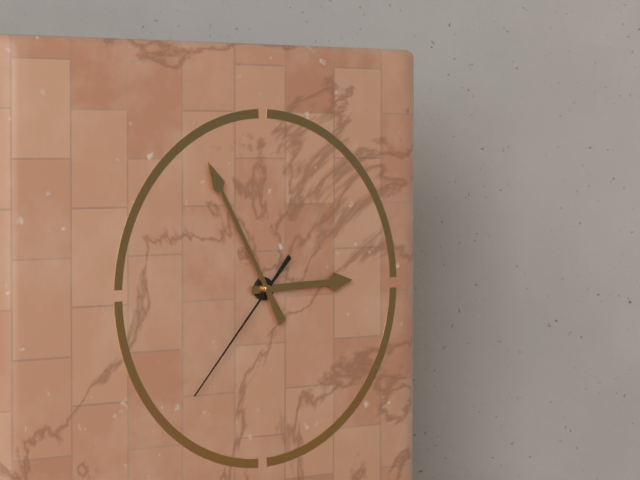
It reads 2:55:37
